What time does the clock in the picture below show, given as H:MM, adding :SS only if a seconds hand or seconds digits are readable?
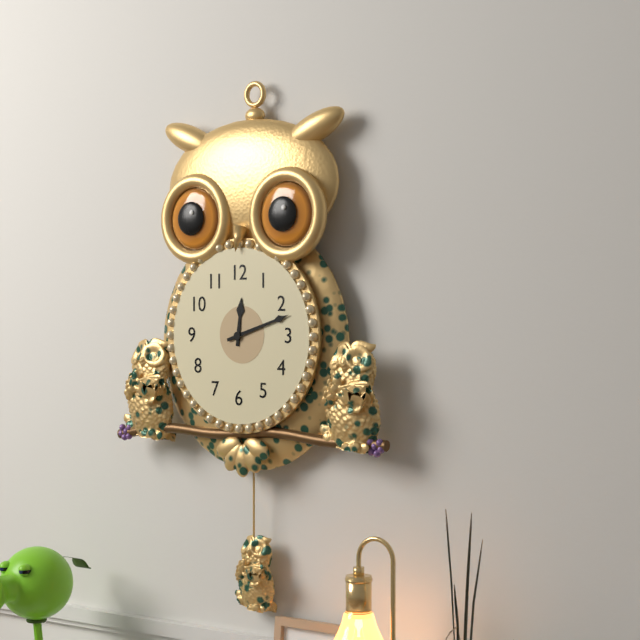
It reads 12:12
